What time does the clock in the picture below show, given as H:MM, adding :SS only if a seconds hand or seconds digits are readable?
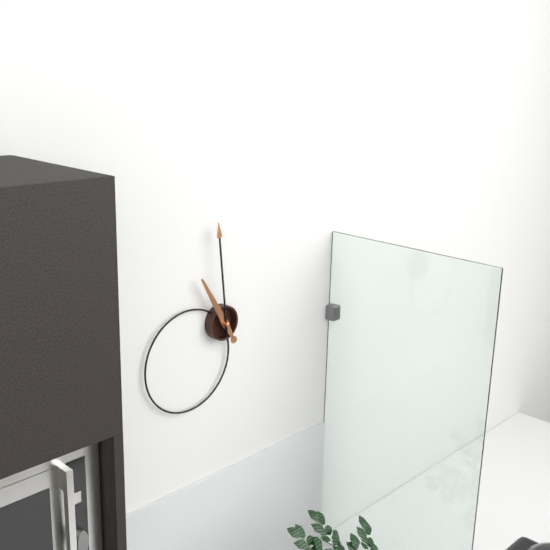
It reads 10:59
